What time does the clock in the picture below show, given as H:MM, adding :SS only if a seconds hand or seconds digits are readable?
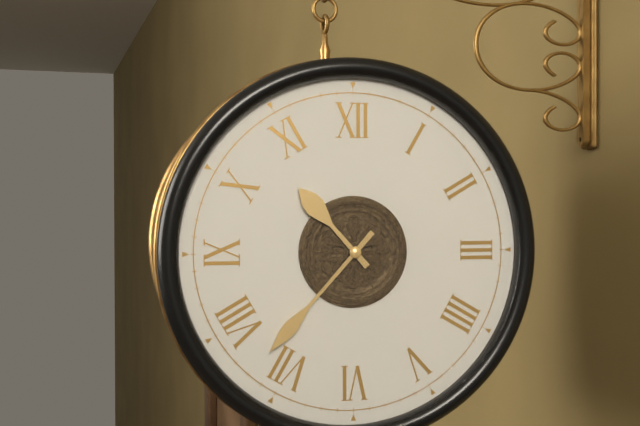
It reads 10:37
